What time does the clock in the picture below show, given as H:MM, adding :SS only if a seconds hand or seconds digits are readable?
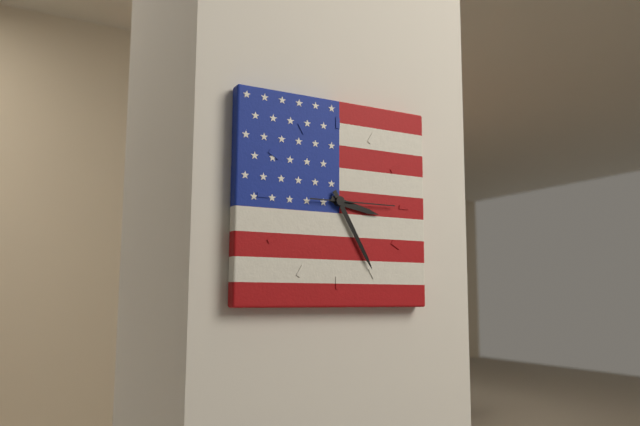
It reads 3:25:15
